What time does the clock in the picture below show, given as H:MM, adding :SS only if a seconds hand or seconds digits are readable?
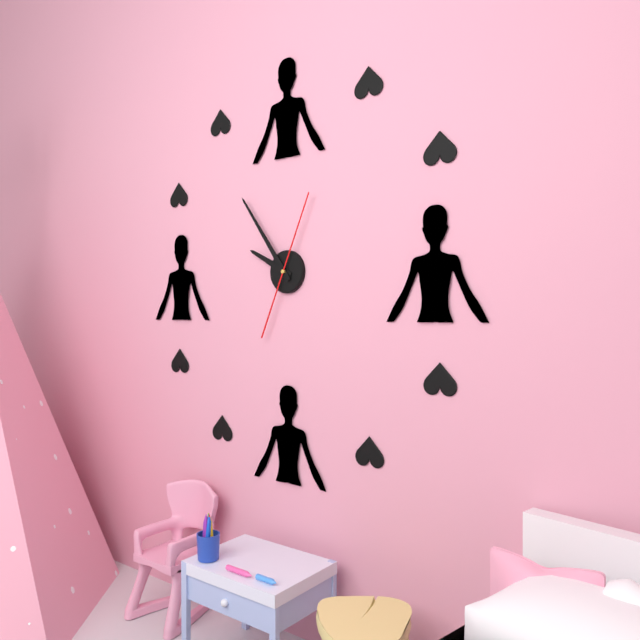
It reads 9:54:04
